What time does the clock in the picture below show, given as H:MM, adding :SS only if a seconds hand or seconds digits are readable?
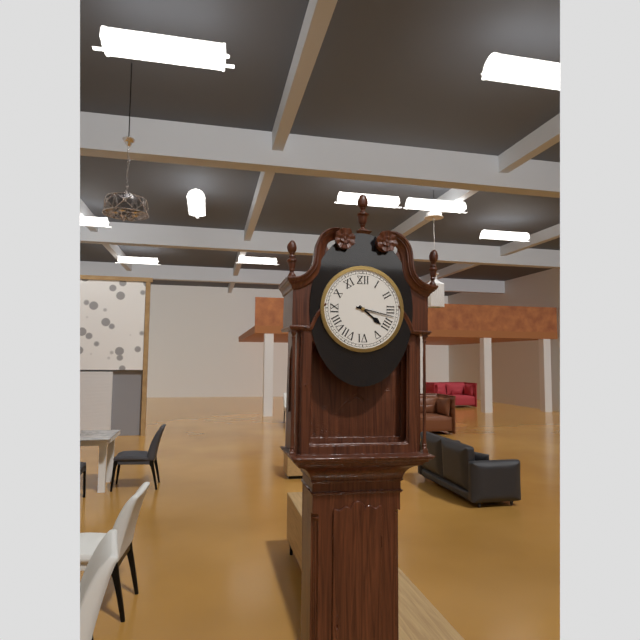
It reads 4:17
